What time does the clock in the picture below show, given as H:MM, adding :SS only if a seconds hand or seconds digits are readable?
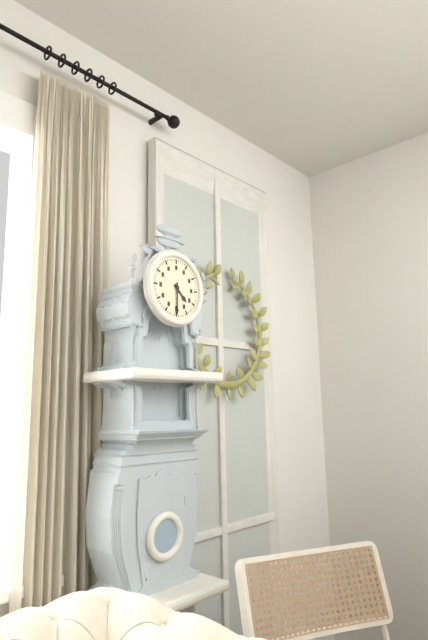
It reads 4:30
